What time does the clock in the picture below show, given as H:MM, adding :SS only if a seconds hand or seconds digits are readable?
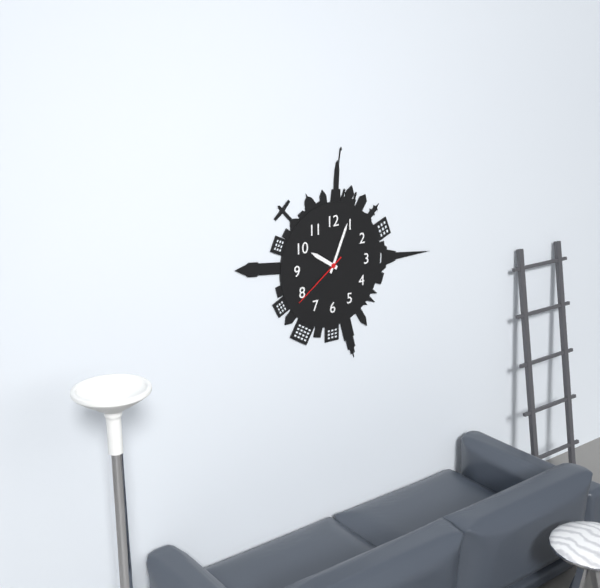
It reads 10:04:39
